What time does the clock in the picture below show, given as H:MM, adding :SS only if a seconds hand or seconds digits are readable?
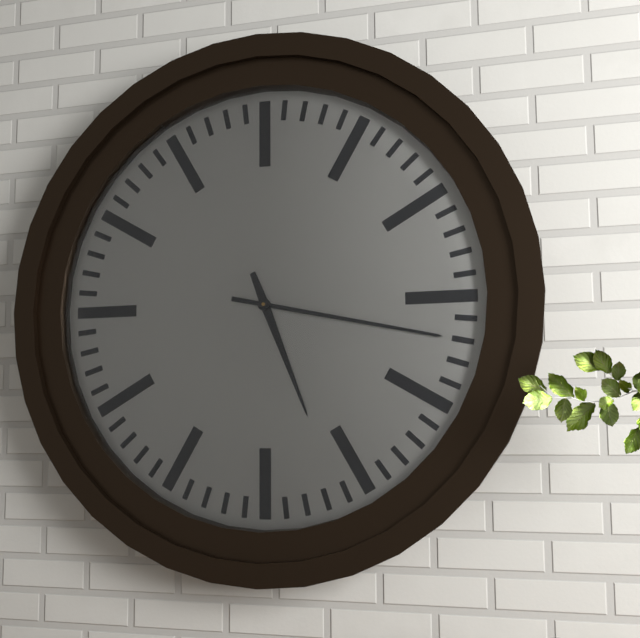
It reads 5:17
